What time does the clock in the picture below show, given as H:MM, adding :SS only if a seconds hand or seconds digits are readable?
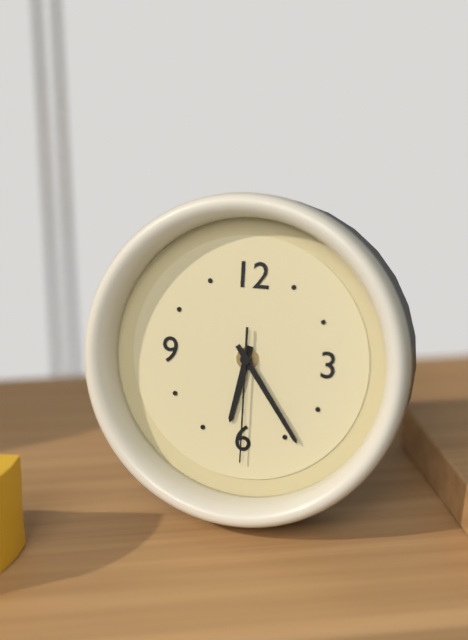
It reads 6:24:30
